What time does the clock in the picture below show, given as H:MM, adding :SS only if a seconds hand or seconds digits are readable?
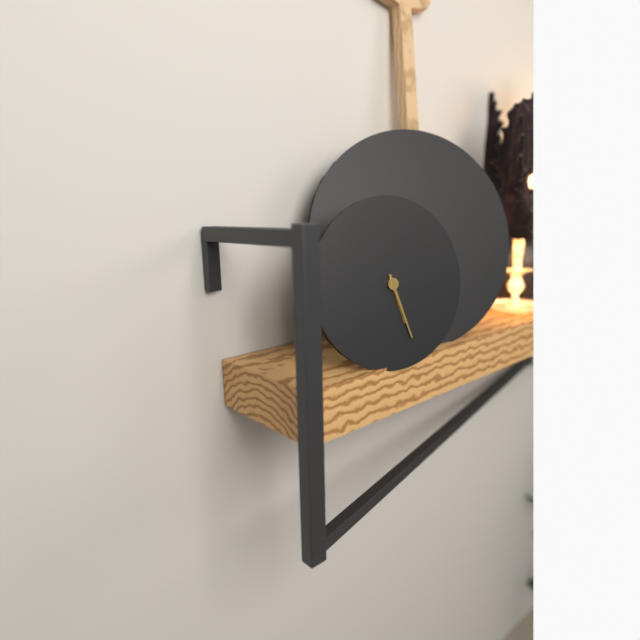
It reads 5:27
